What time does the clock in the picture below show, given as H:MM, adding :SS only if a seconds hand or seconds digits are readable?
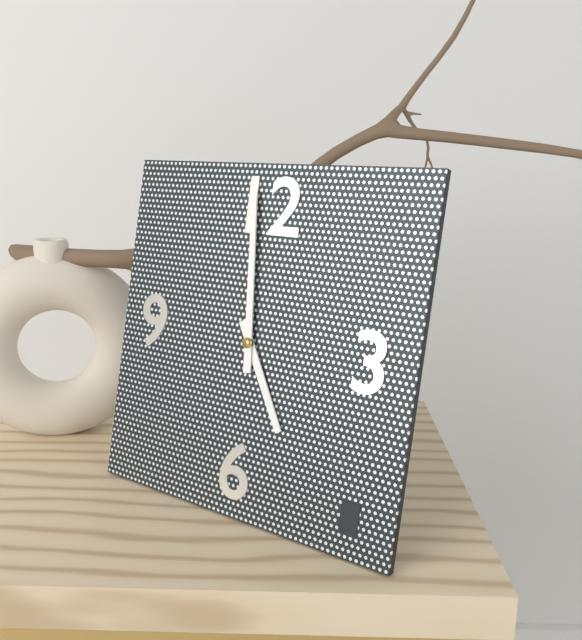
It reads 4:59
